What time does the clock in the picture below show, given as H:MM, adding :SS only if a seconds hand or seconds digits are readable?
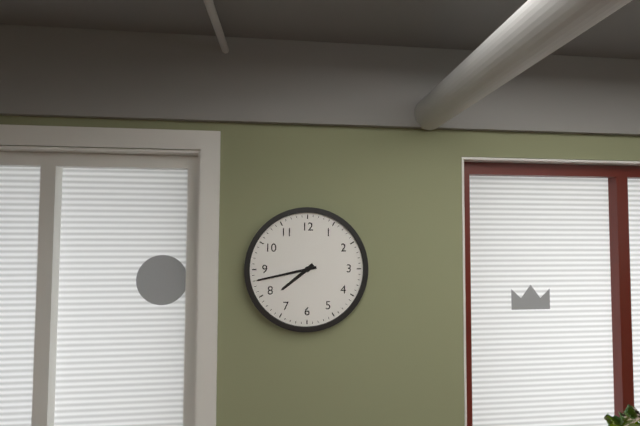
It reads 7:43
